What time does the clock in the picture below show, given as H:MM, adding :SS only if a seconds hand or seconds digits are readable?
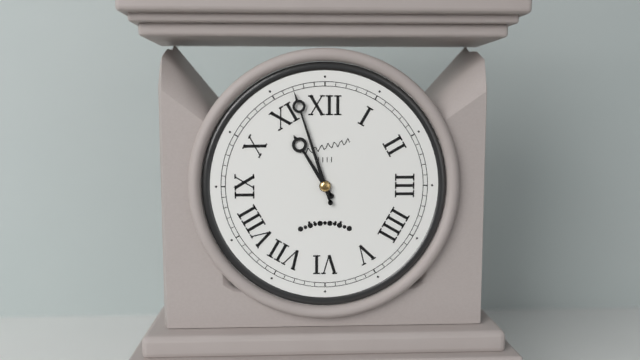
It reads 10:57
